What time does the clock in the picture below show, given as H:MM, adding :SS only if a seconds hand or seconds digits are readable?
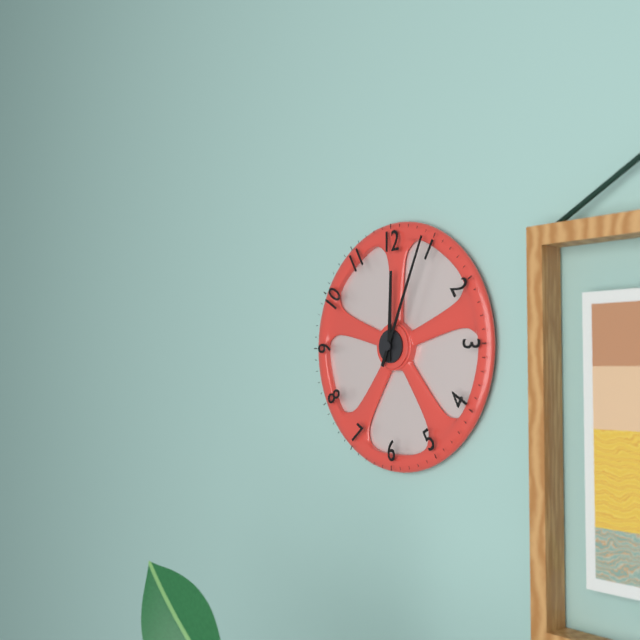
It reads 12:04
